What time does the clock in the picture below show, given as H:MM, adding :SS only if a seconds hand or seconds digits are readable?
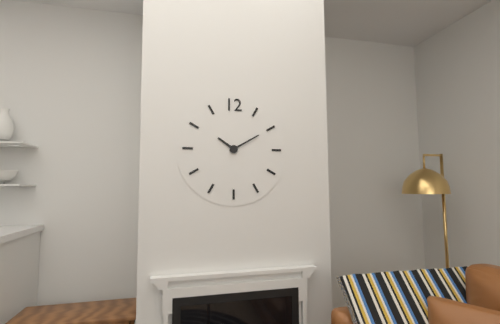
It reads 10:10
